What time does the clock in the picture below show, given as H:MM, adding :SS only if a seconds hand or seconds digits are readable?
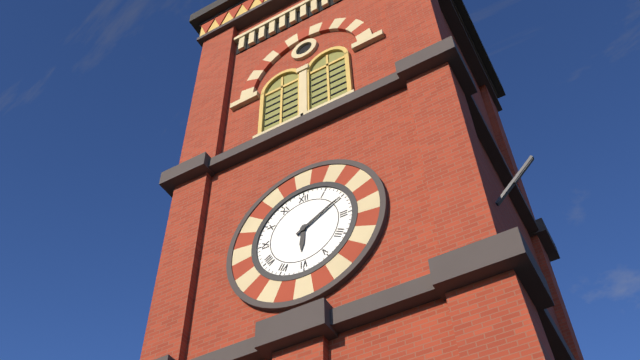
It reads 6:10
